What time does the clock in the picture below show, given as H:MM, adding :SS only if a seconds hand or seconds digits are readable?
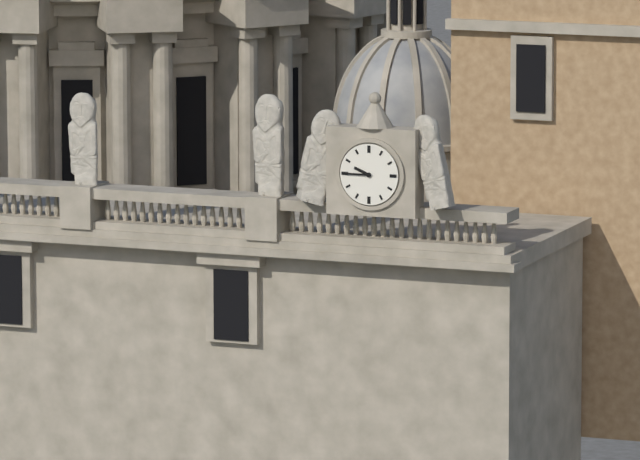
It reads 9:45
